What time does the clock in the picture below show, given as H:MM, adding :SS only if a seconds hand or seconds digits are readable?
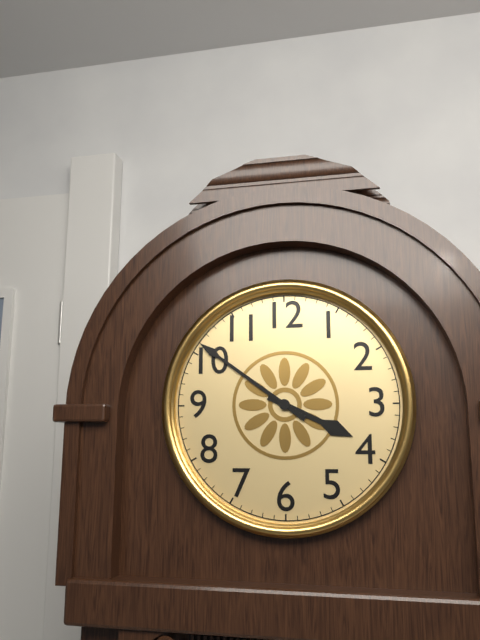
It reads 3:51
